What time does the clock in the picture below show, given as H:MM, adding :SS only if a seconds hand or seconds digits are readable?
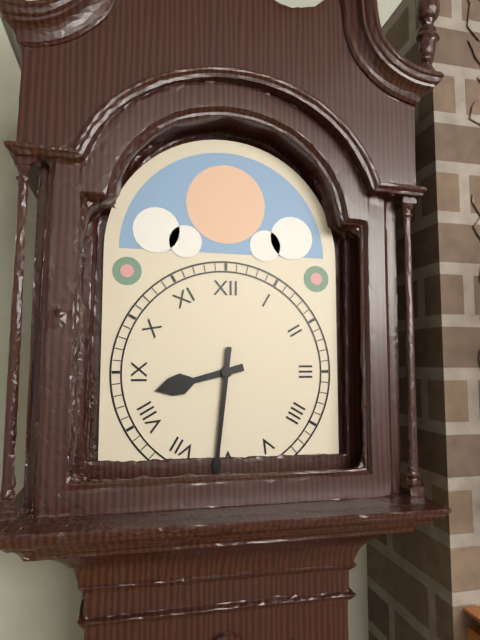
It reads 8:31
